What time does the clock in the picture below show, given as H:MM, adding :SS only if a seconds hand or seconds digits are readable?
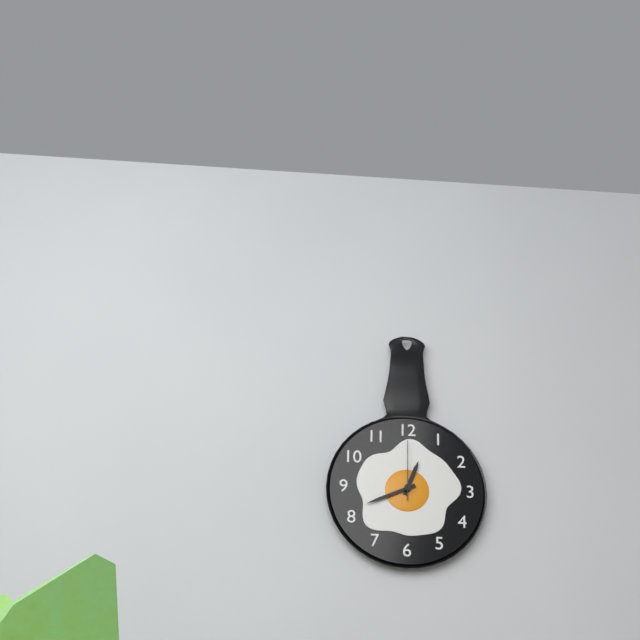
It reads 12:41:00
